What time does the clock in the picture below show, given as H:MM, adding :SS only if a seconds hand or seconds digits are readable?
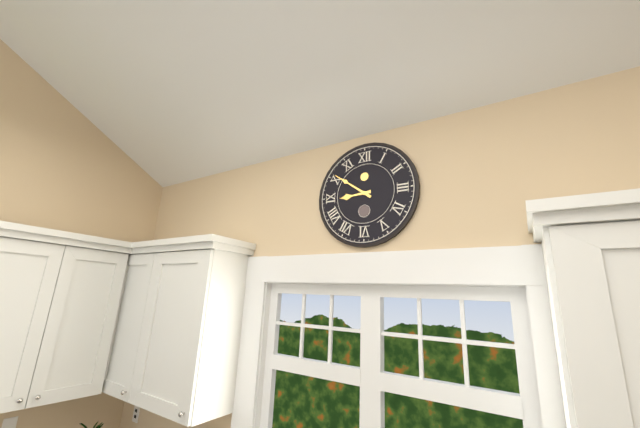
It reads 8:51
